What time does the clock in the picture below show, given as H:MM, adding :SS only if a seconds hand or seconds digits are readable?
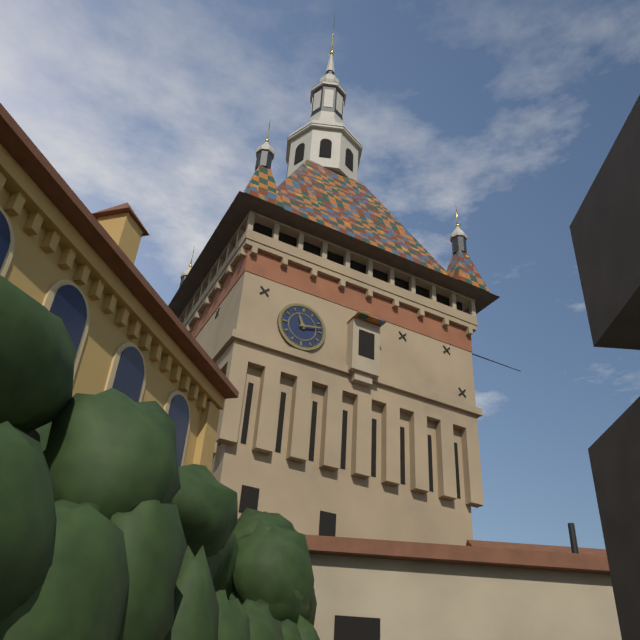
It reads 11:13
